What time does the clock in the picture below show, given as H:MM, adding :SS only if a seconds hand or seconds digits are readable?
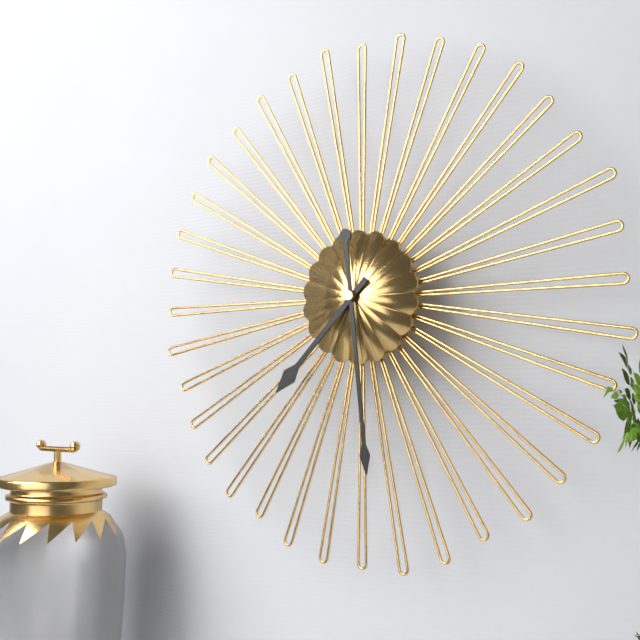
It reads 7:29
